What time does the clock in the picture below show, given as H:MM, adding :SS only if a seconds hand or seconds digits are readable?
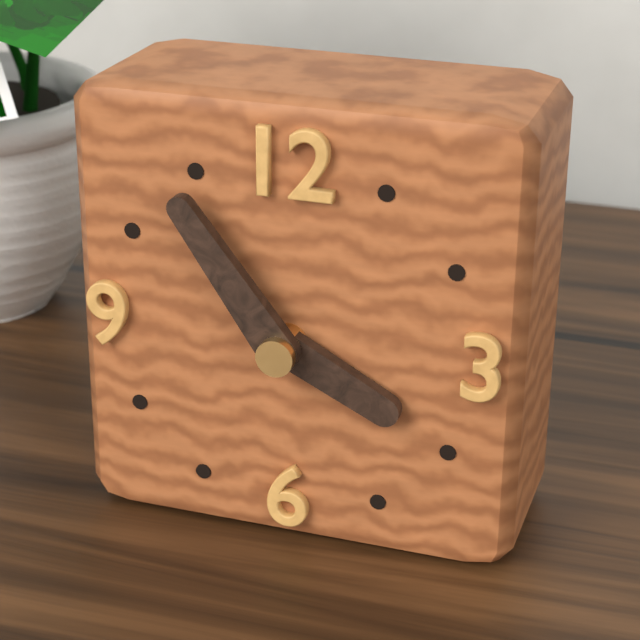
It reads 3:54
